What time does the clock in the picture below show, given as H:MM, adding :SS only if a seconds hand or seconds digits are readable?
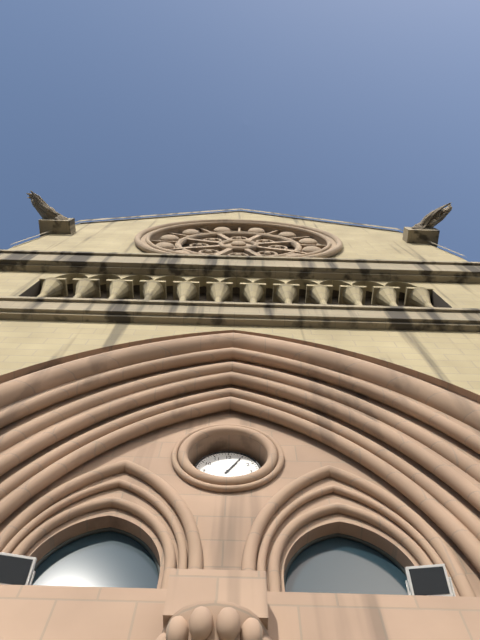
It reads 1:05
